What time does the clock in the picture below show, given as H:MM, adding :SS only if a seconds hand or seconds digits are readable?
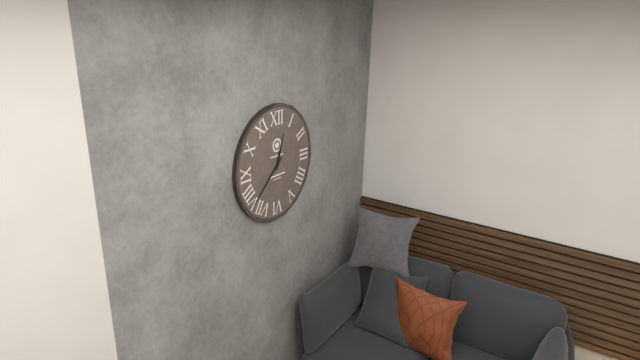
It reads 12:38
